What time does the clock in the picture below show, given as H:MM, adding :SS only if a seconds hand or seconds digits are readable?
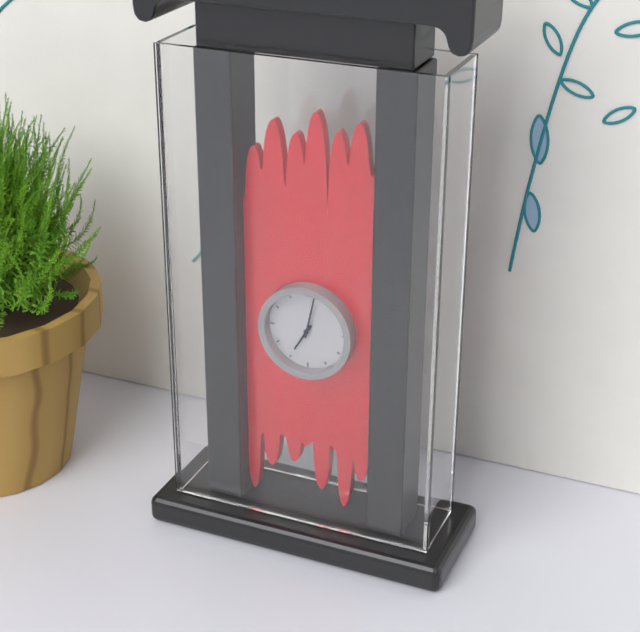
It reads 7:02
